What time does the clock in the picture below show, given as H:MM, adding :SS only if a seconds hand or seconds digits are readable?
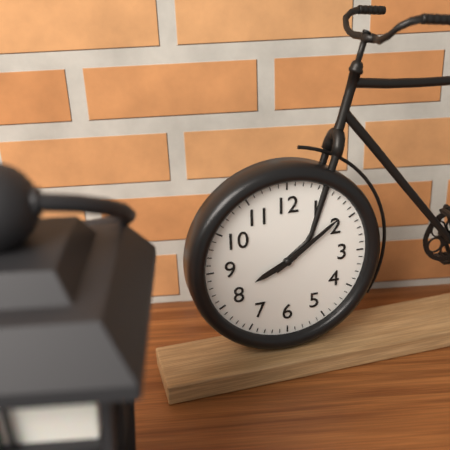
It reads 8:09
